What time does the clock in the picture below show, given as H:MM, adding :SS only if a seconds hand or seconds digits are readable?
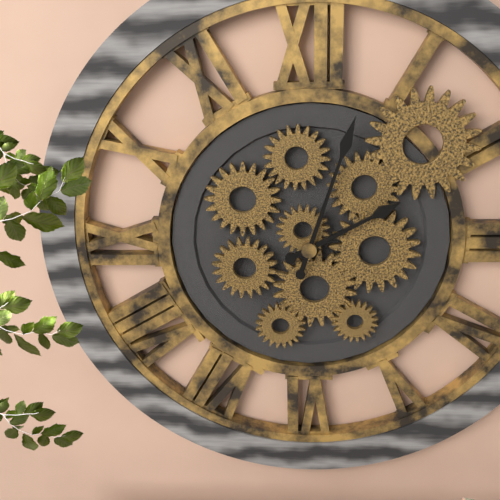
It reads 2:03
